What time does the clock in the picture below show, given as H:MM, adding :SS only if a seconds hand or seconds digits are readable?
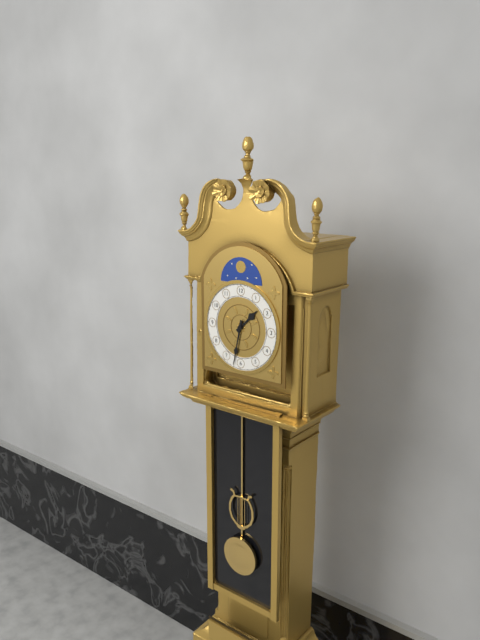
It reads 1:32
